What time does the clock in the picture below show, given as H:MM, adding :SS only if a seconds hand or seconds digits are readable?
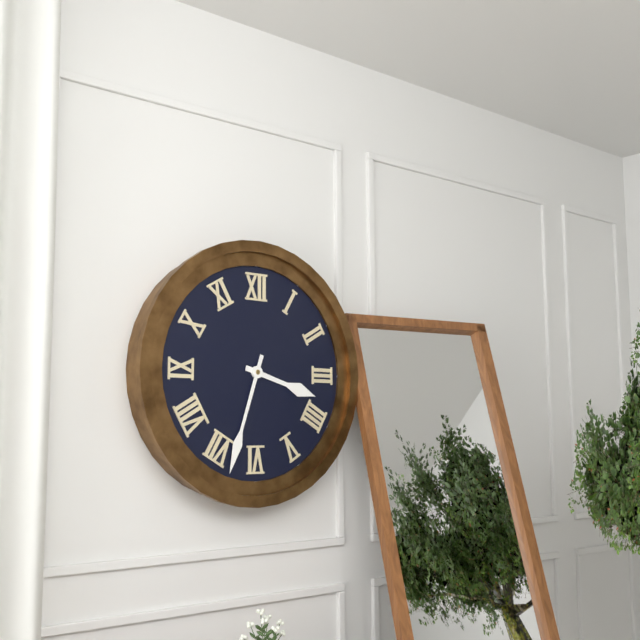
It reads 3:33
